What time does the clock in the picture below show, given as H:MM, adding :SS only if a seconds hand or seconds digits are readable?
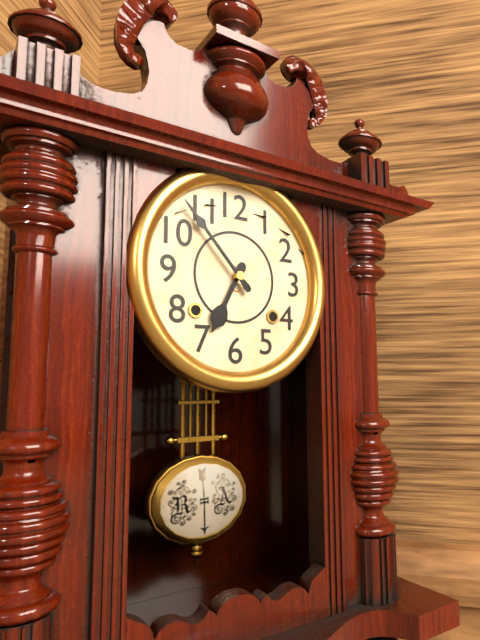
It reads 6:53
